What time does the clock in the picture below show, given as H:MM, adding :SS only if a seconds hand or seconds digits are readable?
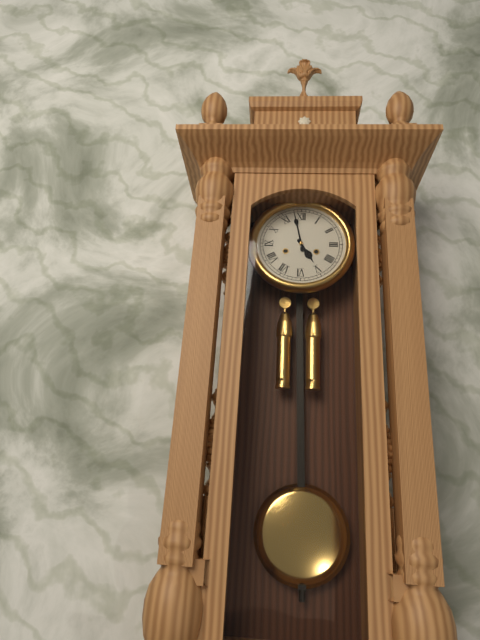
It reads 4:58
